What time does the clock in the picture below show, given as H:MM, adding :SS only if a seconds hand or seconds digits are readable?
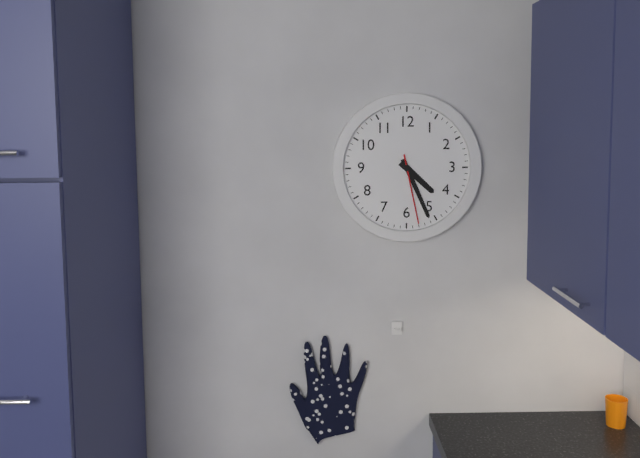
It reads 4:26:28
